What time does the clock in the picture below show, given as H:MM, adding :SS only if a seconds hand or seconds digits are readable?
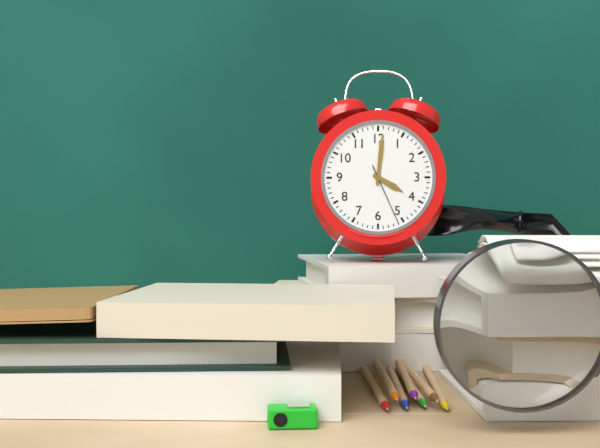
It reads 4:01:26
